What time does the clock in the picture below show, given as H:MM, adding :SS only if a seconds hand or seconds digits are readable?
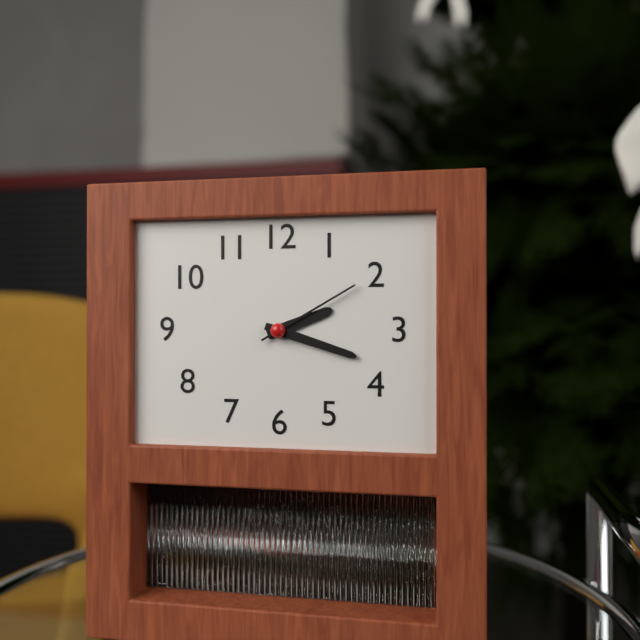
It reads 2:18:10
